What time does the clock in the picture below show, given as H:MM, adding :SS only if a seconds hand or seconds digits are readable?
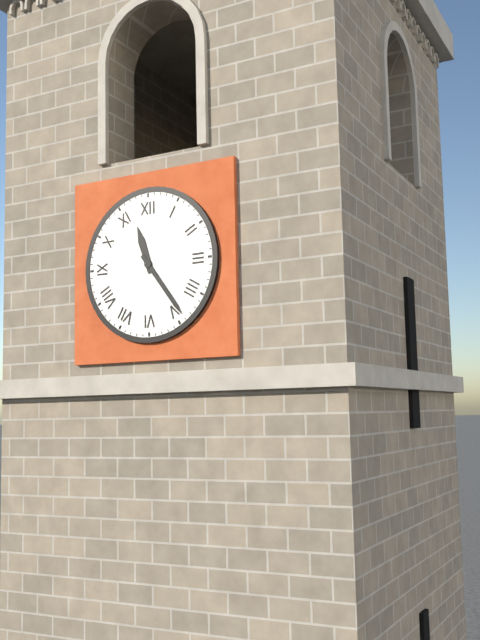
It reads 11:24
